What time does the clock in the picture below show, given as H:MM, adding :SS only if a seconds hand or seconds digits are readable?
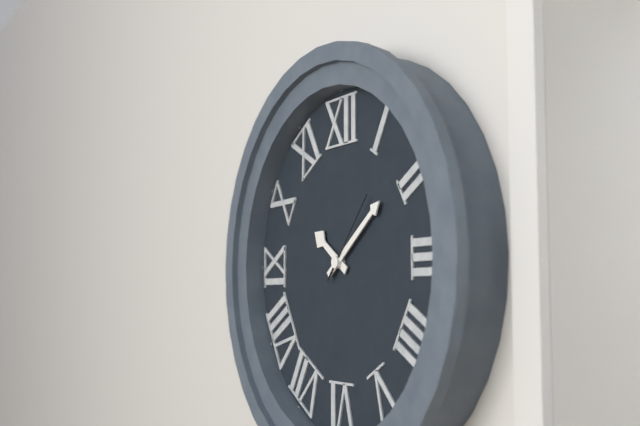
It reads 10:09:07
